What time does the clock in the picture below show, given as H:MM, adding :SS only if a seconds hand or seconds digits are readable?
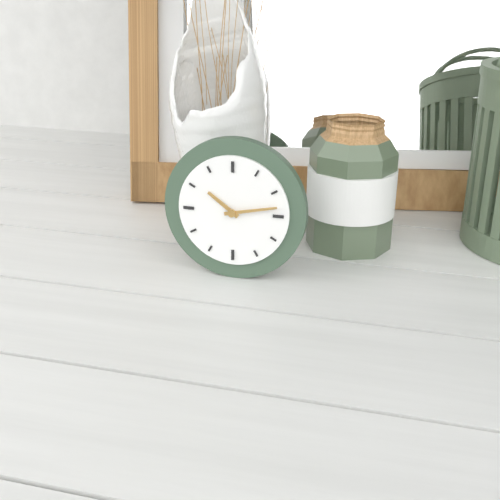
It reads 10:13
